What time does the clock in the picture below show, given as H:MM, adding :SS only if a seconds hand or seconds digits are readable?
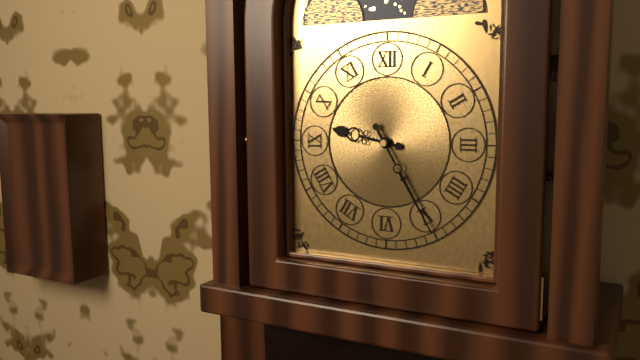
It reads 9:25
